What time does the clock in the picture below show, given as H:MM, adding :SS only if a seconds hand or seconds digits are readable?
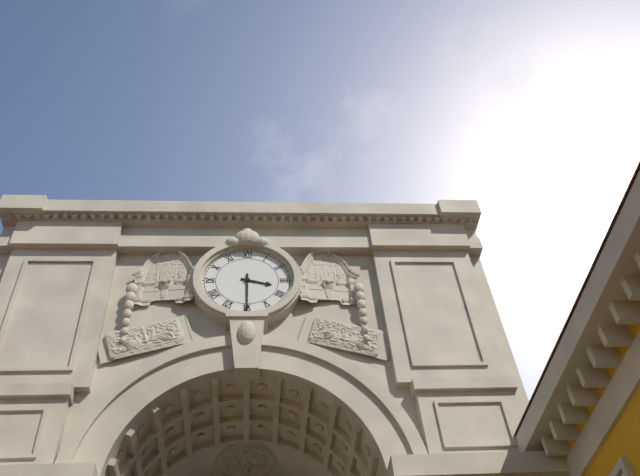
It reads 3:30
